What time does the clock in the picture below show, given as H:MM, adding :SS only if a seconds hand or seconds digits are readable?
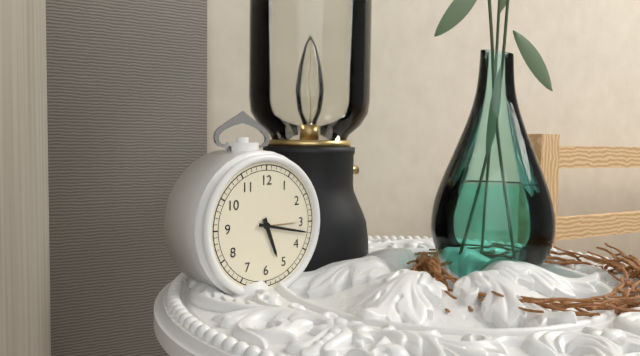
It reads 5:17
